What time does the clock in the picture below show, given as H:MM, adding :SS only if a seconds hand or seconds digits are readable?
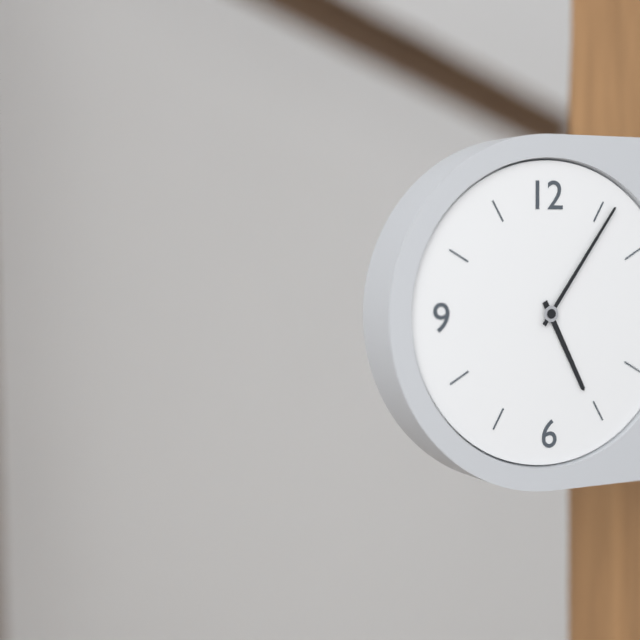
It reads 5:06
